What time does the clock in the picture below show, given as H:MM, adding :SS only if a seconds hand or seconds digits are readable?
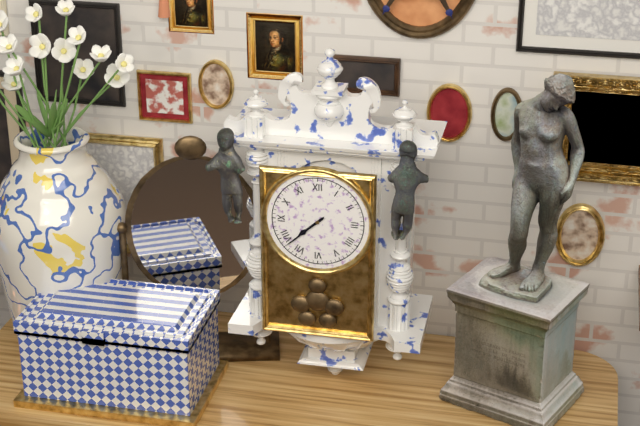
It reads 7:38
